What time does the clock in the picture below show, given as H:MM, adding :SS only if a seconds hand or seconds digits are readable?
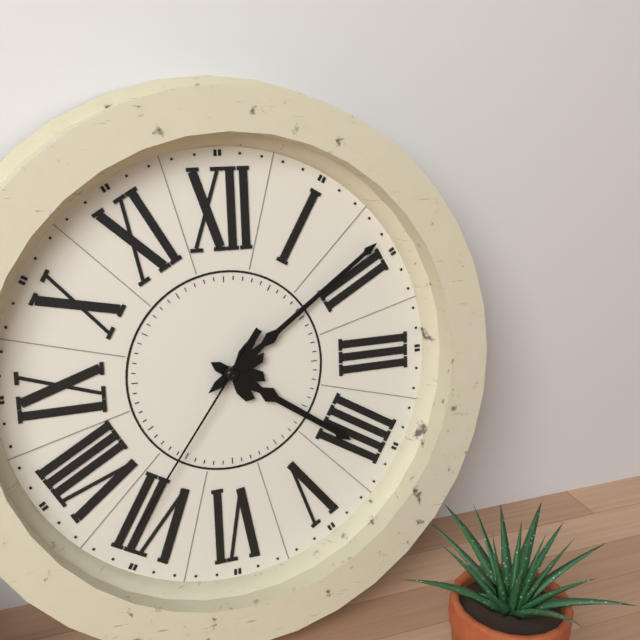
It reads 4:09:36
